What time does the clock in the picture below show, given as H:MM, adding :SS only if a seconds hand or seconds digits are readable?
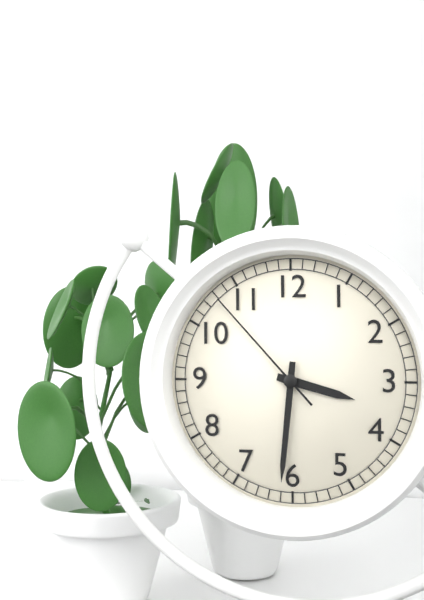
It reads 3:31:53
